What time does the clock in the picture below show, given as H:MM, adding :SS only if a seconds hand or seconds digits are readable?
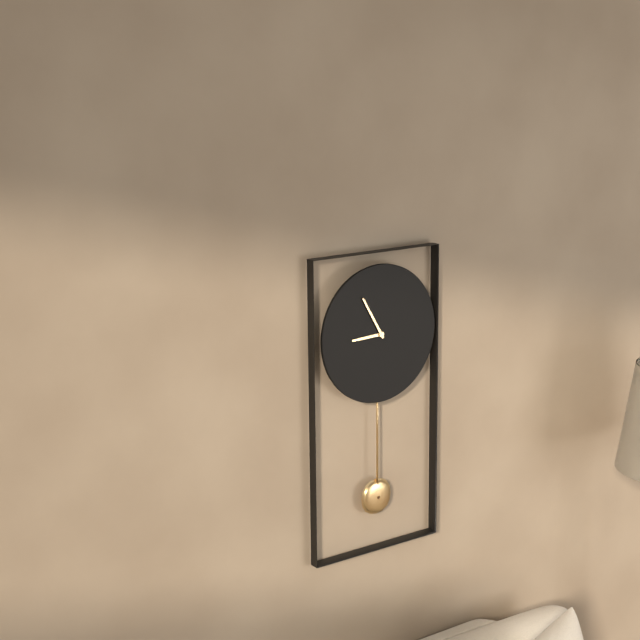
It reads 8:55
